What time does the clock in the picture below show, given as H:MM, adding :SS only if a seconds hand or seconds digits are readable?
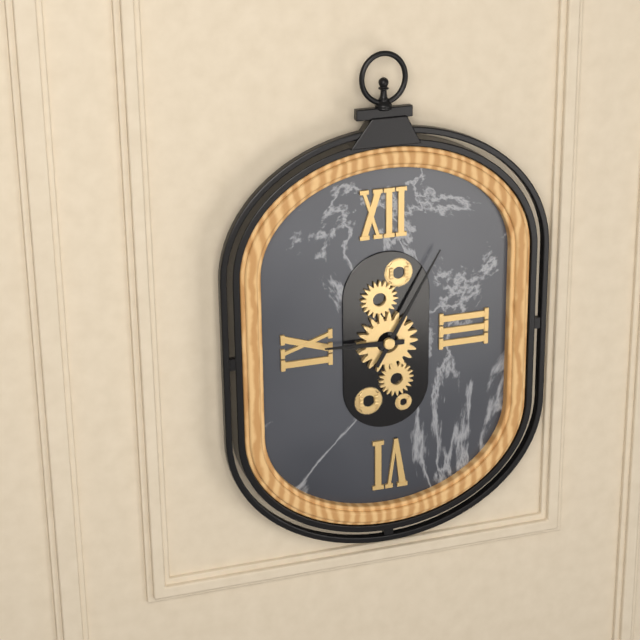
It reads 9:05
